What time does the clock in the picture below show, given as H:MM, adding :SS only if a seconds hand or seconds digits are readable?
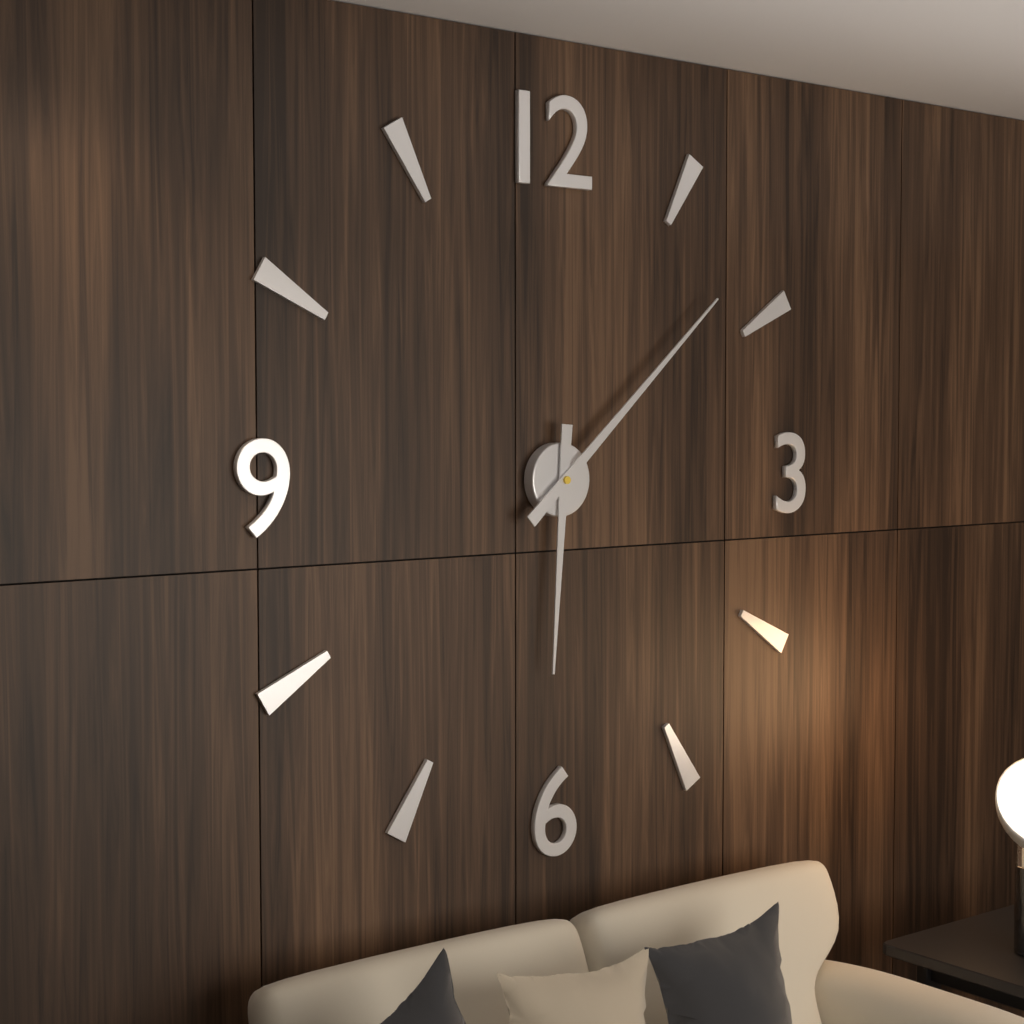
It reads 6:08
